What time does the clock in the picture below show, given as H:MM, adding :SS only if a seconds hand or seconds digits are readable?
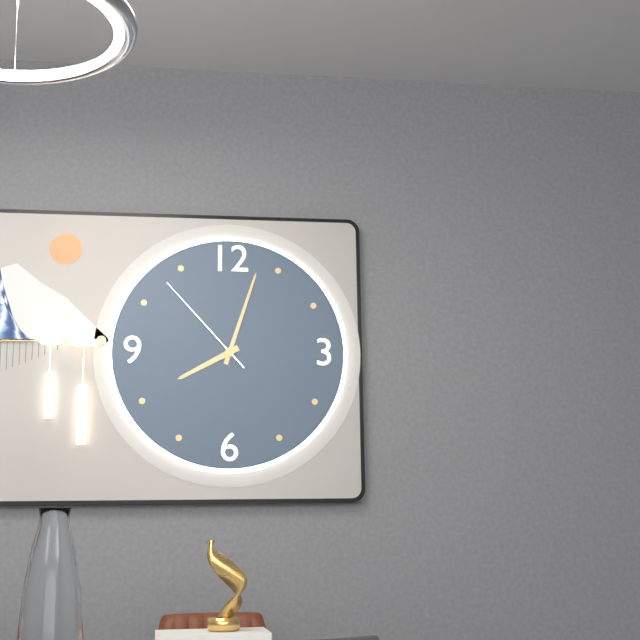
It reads 8:03:53
